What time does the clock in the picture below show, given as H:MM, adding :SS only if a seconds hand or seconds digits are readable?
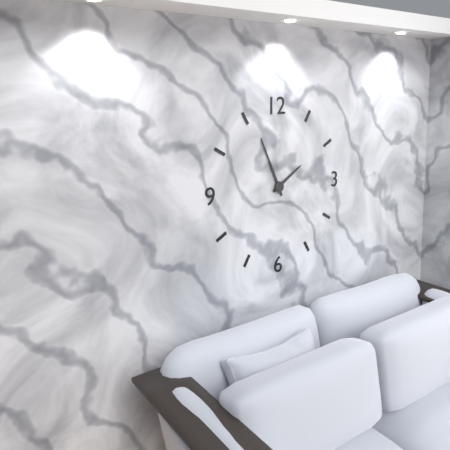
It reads 1:56
